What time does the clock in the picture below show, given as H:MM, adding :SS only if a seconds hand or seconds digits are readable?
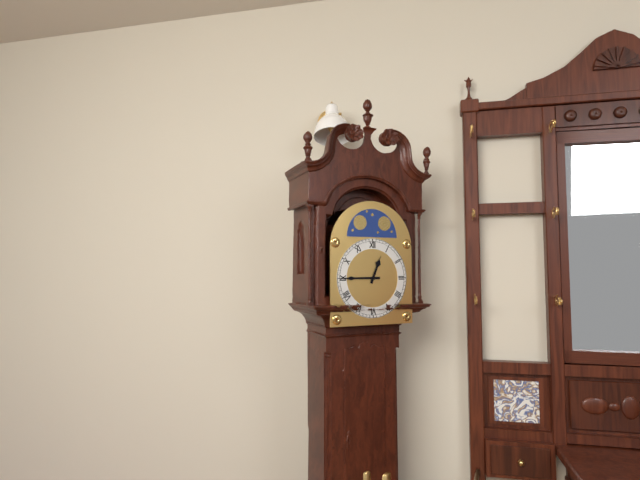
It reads 12:45
